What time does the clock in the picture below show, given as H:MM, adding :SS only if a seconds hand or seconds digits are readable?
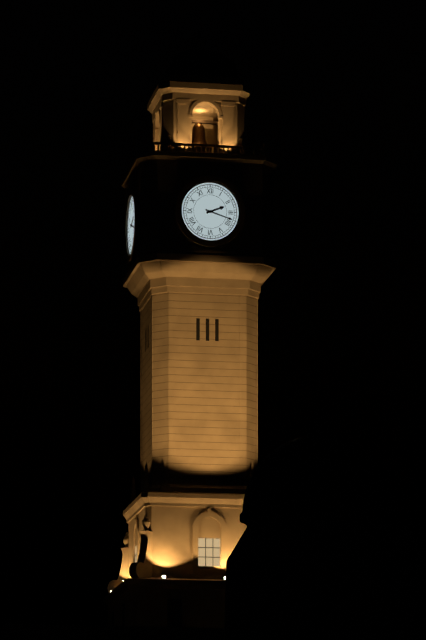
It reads 2:18
